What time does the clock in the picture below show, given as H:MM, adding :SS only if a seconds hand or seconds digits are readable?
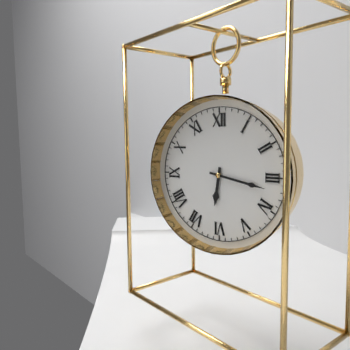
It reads 6:17
